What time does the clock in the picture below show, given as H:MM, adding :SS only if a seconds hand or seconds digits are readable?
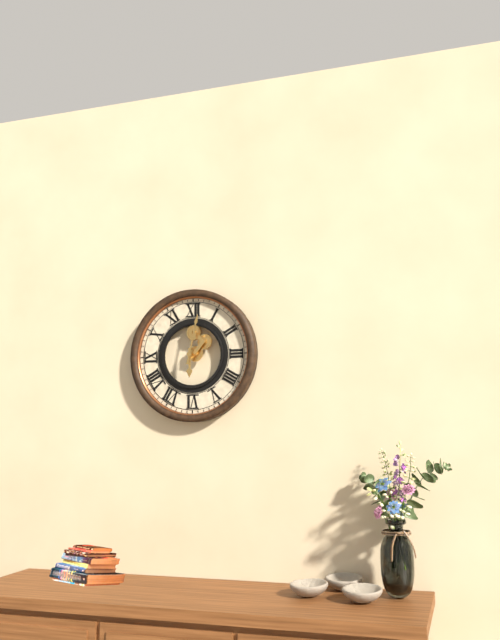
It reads 6:02
